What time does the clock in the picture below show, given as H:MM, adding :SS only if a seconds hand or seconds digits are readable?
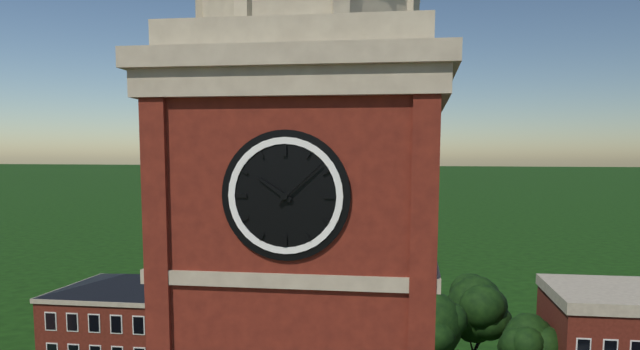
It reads 10:08
